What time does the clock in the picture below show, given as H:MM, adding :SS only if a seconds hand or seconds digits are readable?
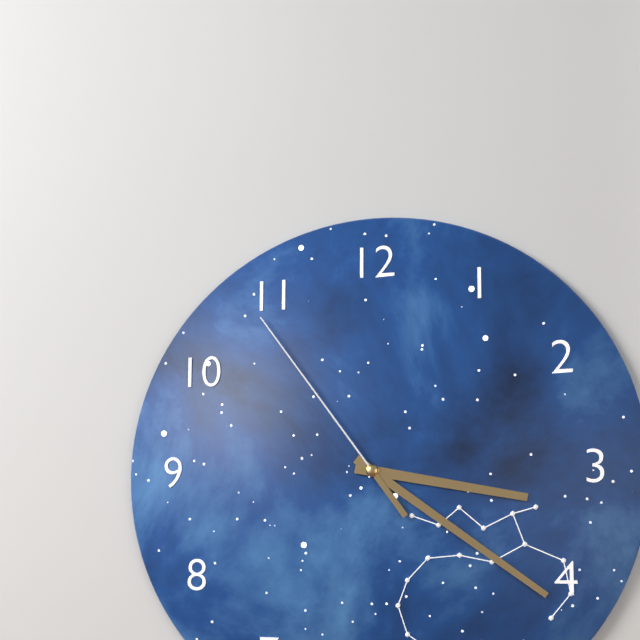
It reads 3:21:54
